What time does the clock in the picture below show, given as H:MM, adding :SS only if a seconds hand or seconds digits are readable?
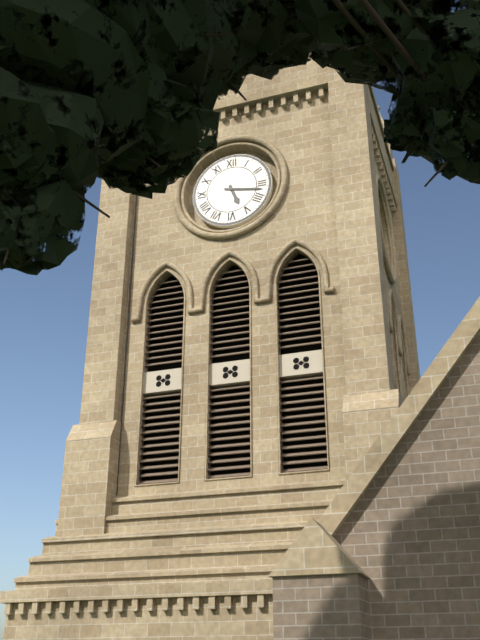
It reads 5:17
